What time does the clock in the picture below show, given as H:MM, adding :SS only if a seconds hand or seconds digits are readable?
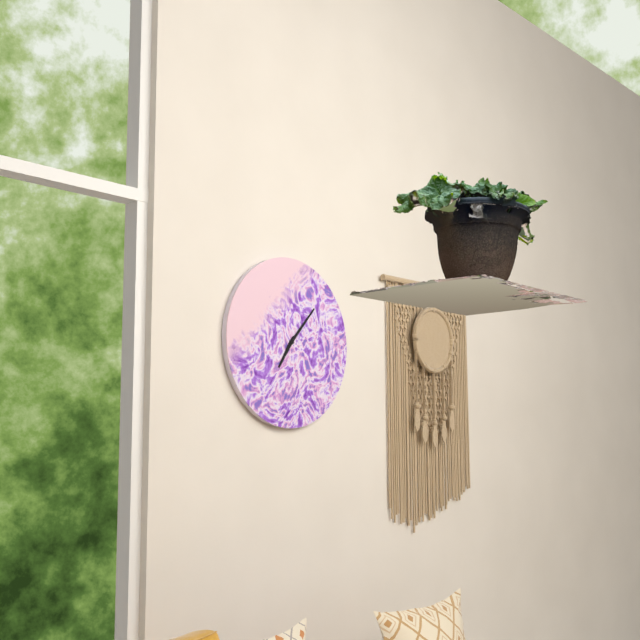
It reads 7:07
